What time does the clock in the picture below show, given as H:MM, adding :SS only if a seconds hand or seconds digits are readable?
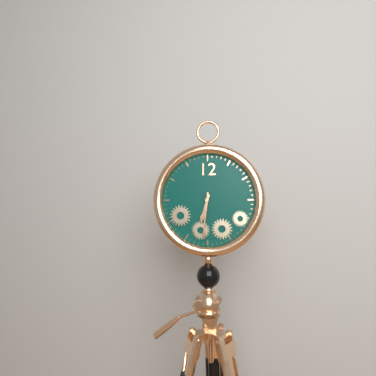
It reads 6:31
